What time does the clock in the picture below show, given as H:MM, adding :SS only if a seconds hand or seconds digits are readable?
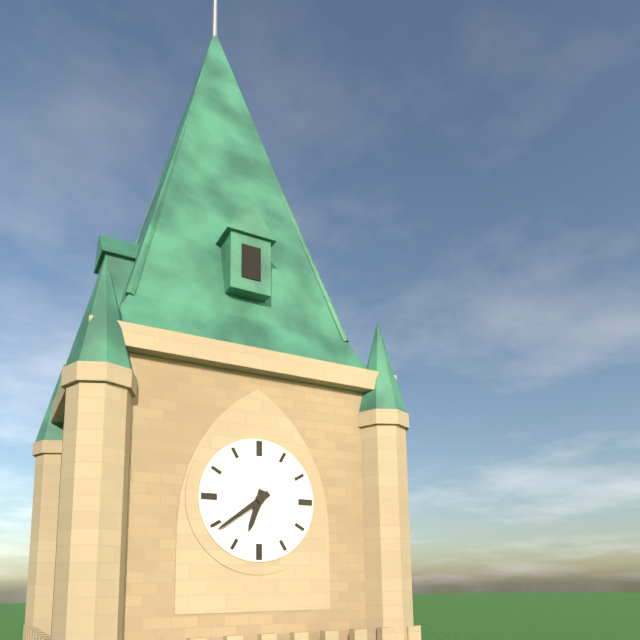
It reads 6:39
